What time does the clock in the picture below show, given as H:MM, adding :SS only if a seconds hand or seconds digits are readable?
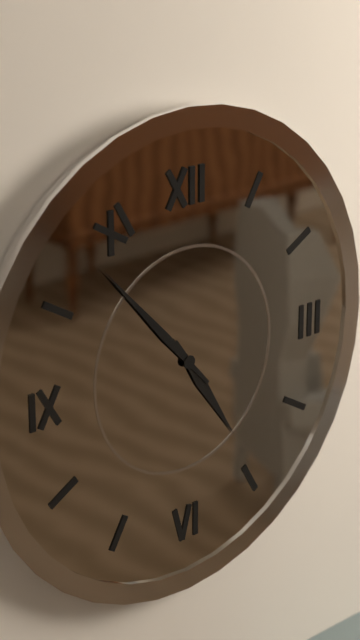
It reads 4:53
